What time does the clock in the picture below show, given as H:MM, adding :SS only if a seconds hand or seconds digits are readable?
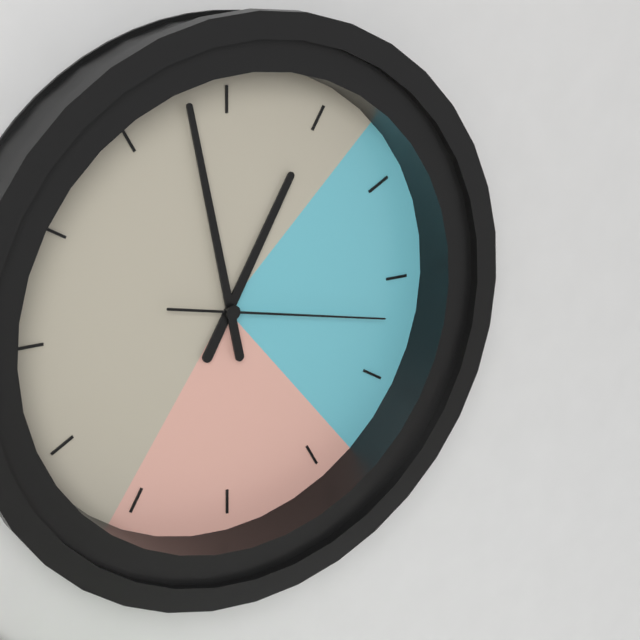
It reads 12:58:17
